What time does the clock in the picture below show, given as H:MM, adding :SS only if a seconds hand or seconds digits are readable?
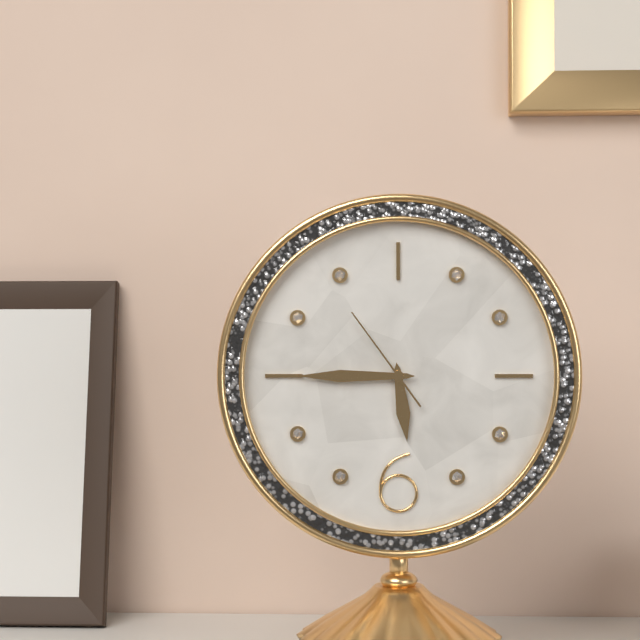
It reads 5:45:54
